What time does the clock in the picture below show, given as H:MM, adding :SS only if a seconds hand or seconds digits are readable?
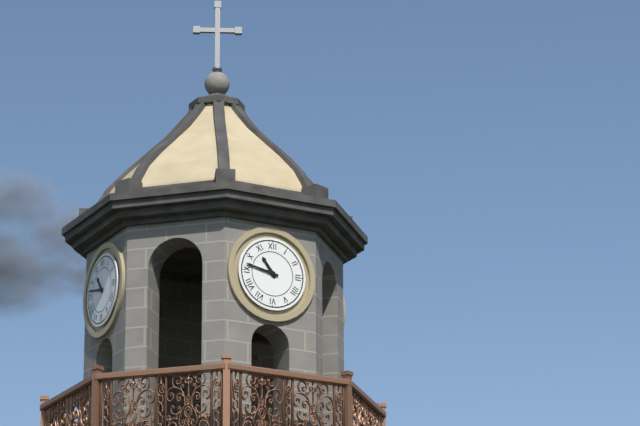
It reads 10:47
